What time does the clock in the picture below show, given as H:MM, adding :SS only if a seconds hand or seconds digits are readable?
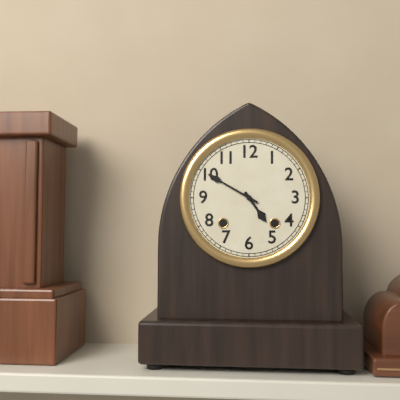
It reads 4:50
